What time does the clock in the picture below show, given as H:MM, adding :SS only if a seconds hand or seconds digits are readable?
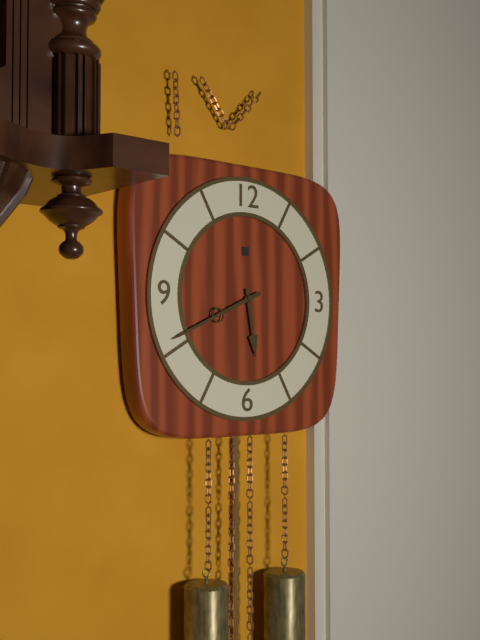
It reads 5:41
